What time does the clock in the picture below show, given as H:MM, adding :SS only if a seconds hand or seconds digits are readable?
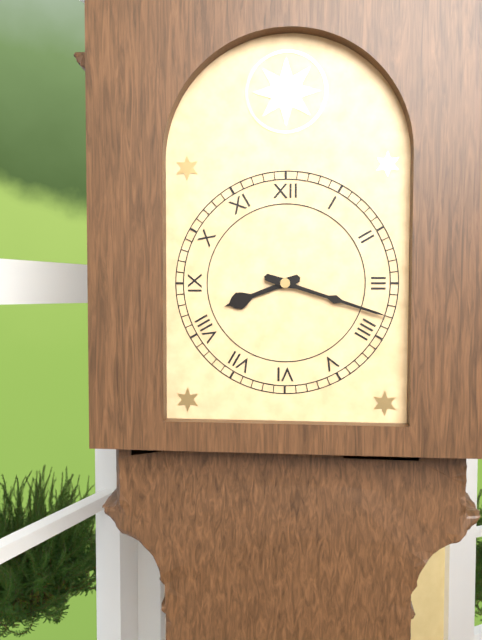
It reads 8:18
